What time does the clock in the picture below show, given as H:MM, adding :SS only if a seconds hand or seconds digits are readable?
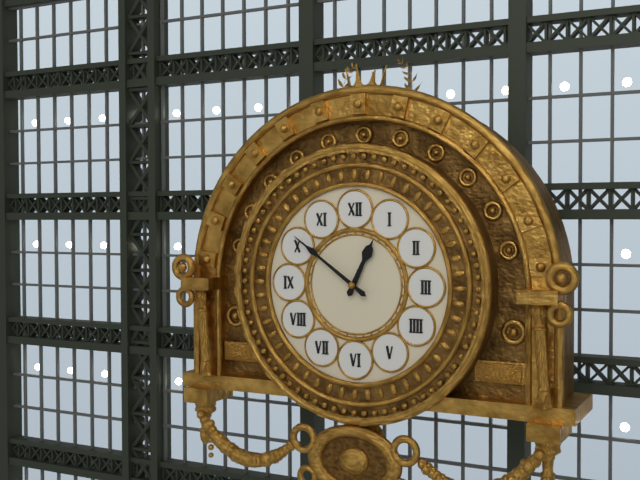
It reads 12:51
